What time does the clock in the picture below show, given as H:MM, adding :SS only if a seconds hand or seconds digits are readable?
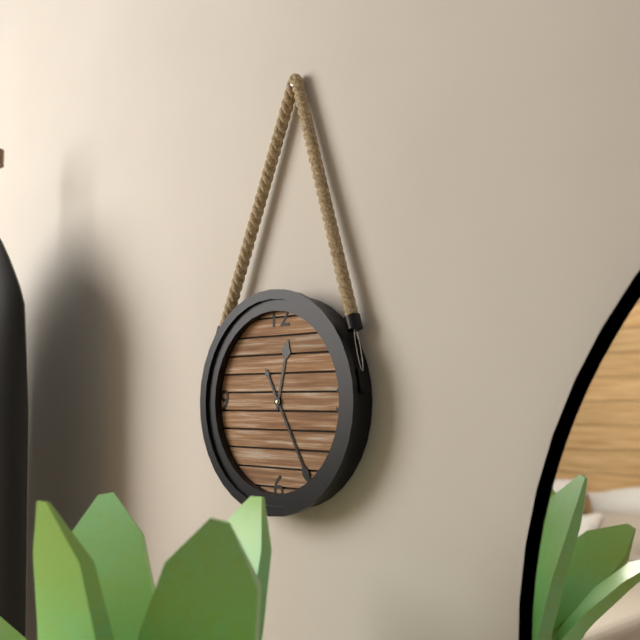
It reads 12:25
